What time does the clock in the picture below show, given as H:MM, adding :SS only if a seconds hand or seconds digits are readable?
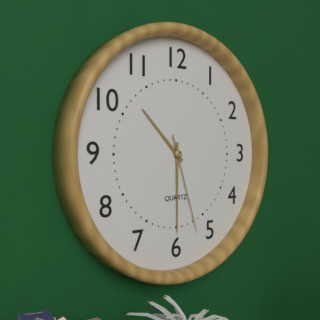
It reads 10:30:27
